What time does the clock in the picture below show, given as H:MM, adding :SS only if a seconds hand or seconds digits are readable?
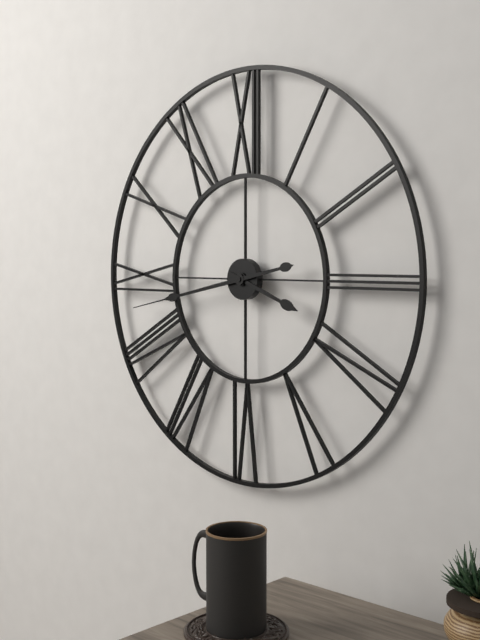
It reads 3:43
